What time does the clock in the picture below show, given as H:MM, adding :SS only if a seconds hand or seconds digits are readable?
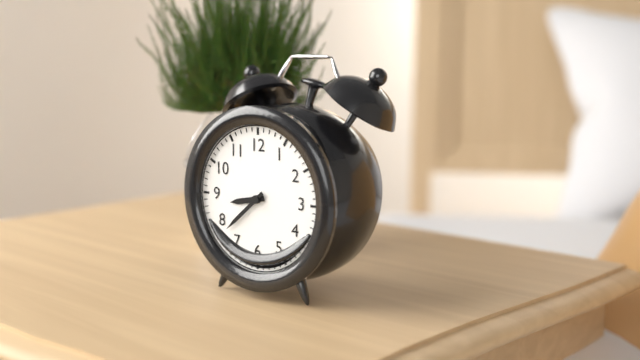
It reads 8:38
